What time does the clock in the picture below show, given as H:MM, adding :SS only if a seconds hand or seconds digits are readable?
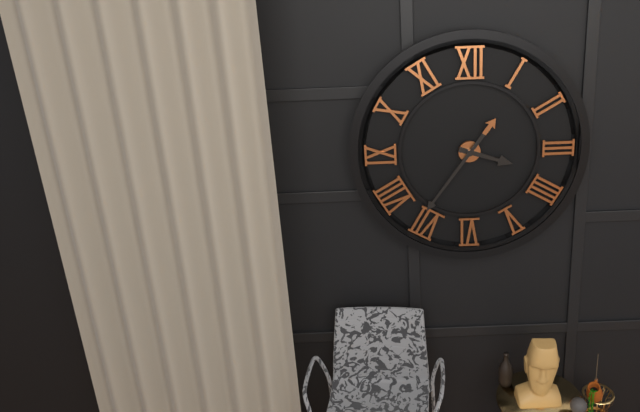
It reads 3:36
